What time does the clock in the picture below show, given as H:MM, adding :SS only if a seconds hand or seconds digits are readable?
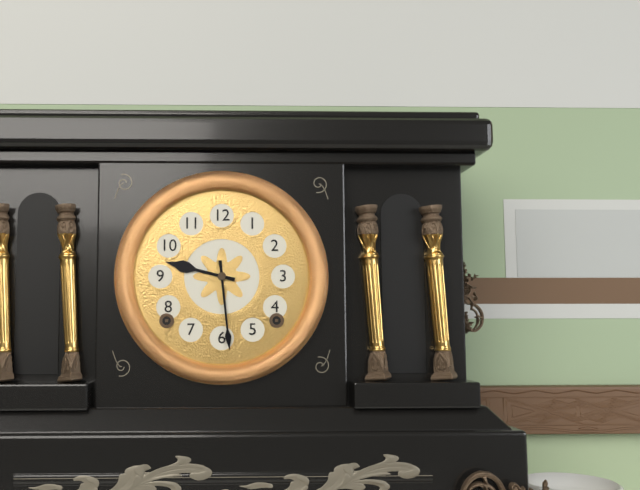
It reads 9:29
